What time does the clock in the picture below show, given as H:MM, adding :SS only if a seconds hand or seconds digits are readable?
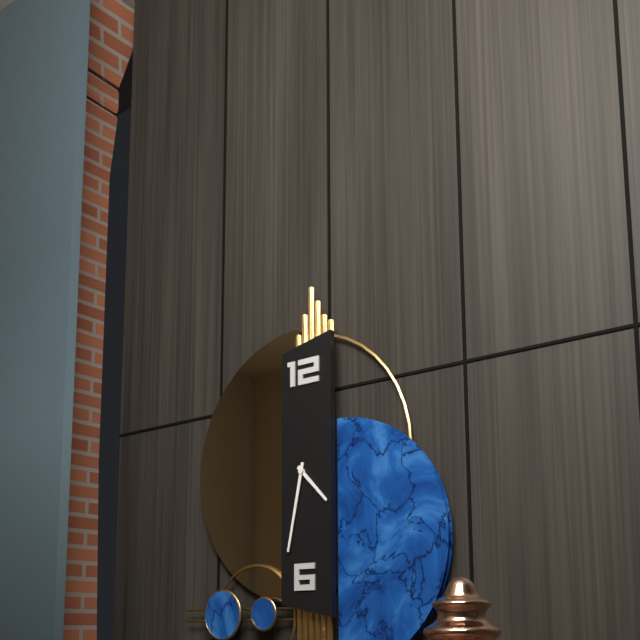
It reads 4:32
